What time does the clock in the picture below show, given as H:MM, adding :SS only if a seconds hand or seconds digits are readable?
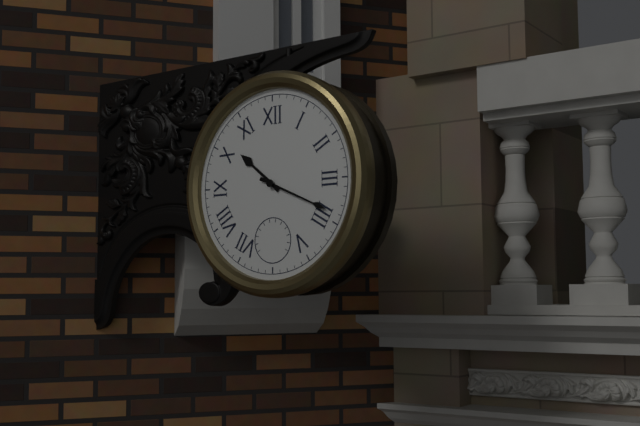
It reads 10:19
